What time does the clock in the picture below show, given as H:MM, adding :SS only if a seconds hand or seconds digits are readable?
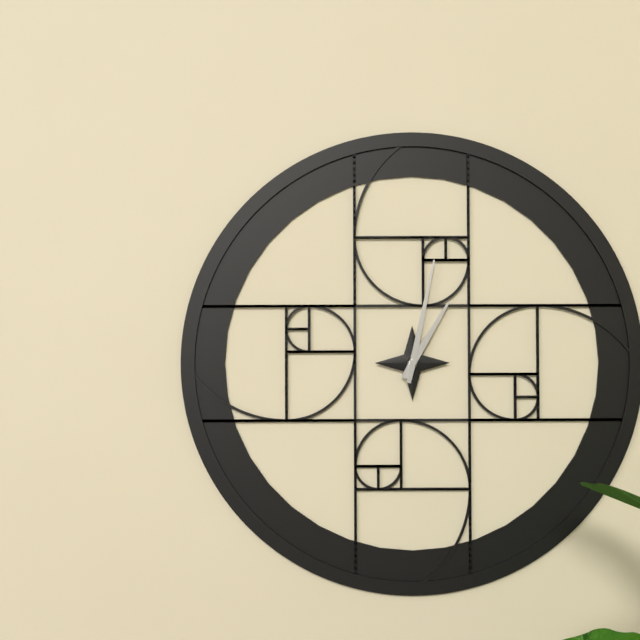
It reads 1:02
